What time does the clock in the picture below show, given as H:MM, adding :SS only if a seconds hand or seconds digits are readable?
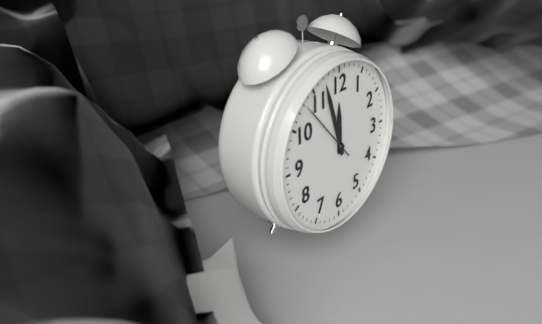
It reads 11:57:53
